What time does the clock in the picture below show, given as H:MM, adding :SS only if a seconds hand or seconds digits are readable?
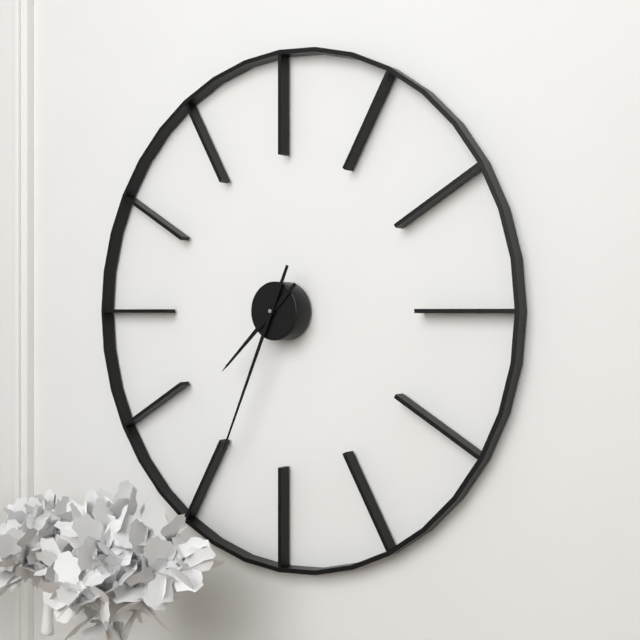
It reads 7:34
